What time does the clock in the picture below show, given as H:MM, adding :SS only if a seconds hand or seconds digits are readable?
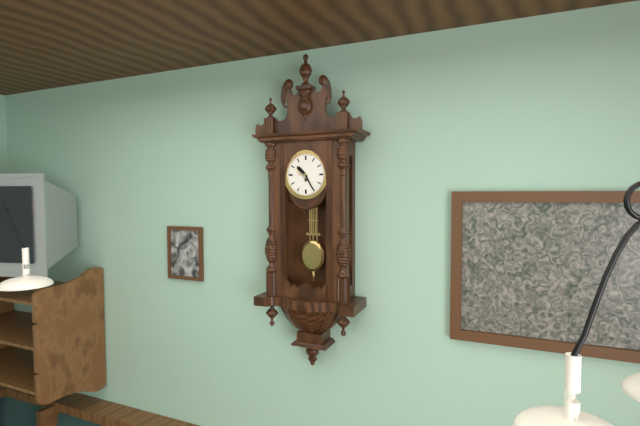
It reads 10:25
